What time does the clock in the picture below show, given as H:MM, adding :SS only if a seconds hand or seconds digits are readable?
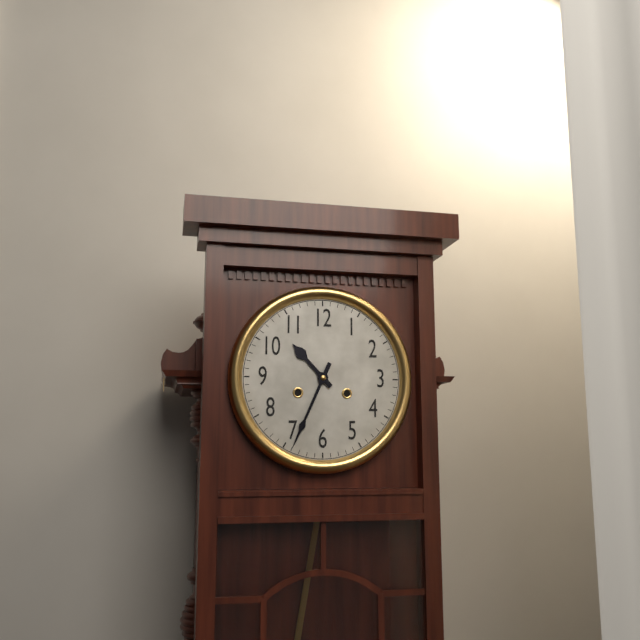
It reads 10:34
